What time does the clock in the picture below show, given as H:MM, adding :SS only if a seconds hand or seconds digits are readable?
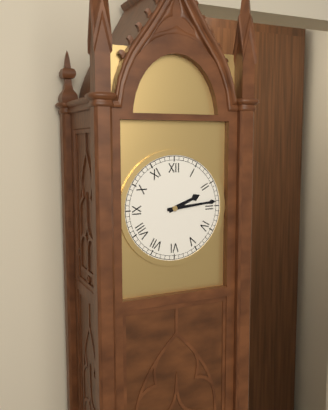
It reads 2:14
